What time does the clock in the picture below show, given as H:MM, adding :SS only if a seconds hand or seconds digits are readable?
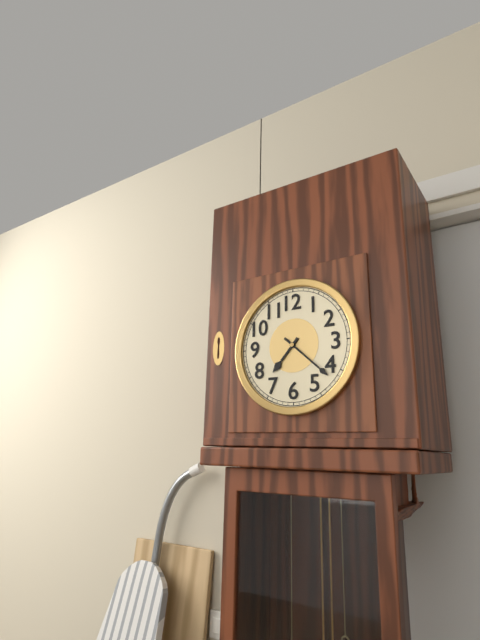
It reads 7:22
